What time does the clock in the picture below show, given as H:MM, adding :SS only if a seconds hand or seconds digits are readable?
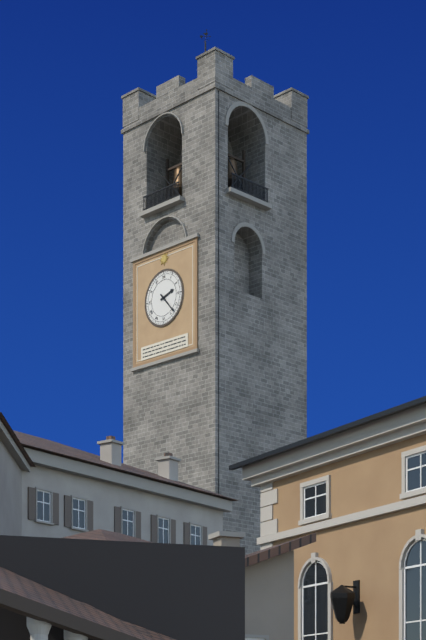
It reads 2:23
